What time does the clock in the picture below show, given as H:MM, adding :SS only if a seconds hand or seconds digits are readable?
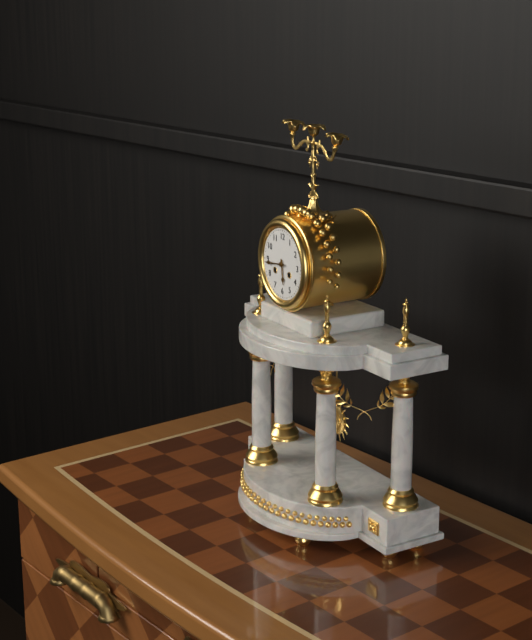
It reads 5:44
